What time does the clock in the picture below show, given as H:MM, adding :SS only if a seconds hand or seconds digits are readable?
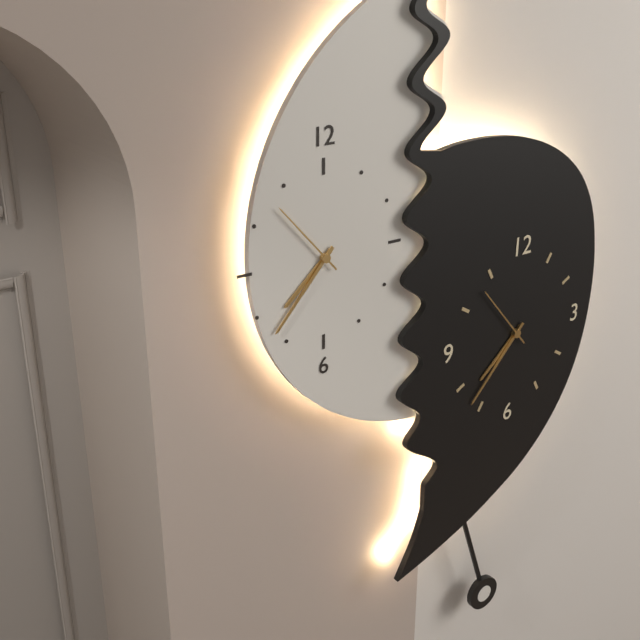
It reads 7:37:53
